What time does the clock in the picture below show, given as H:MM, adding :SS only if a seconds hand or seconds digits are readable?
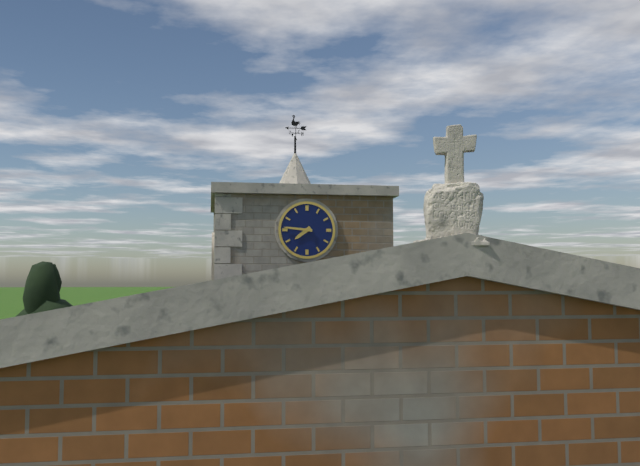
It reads 7:46
